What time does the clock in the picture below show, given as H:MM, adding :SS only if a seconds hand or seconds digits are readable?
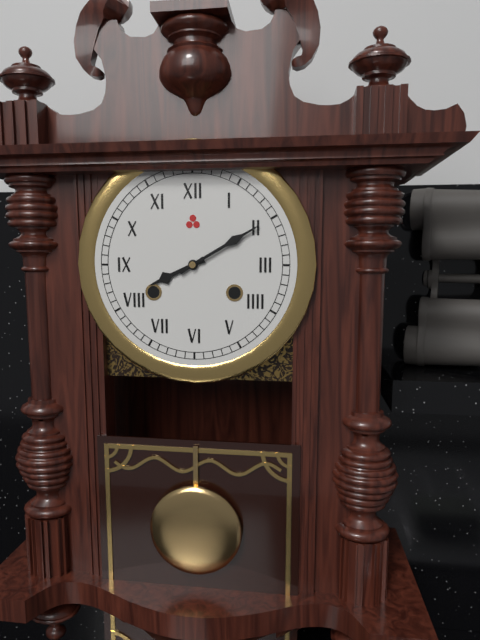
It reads 8:10
